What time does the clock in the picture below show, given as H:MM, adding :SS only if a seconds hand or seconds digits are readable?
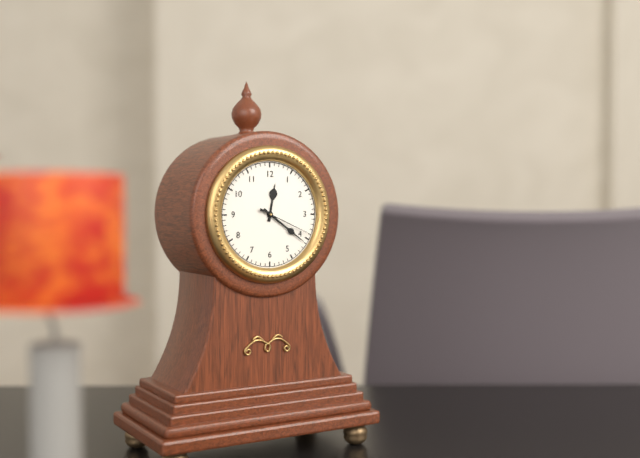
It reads 12:21:19
